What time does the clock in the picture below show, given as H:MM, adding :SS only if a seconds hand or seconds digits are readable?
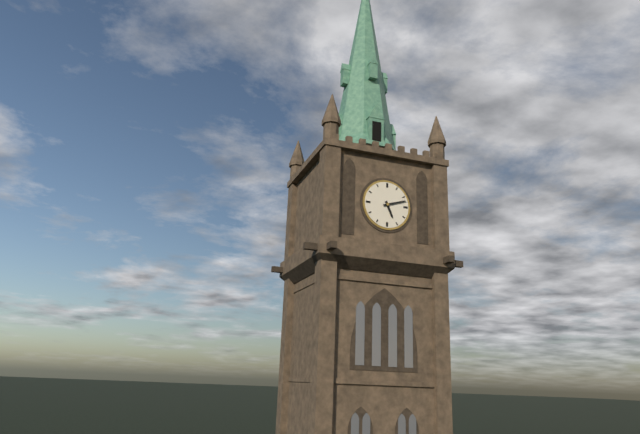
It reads 5:12
